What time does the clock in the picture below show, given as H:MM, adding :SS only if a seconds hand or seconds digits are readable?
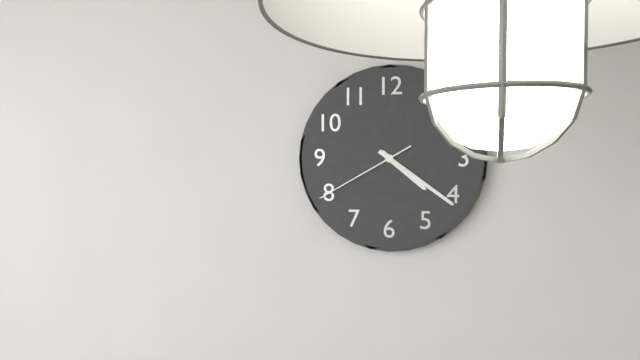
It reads 4:21:40
